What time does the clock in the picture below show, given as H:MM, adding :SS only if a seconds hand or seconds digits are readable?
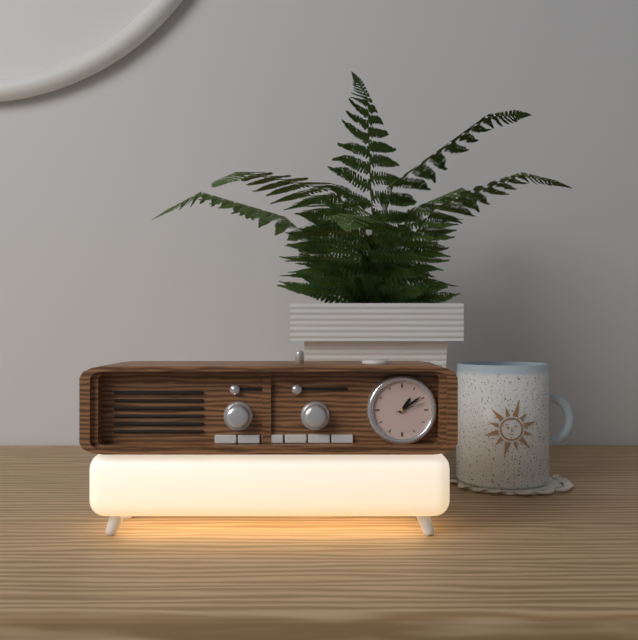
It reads 1:09
